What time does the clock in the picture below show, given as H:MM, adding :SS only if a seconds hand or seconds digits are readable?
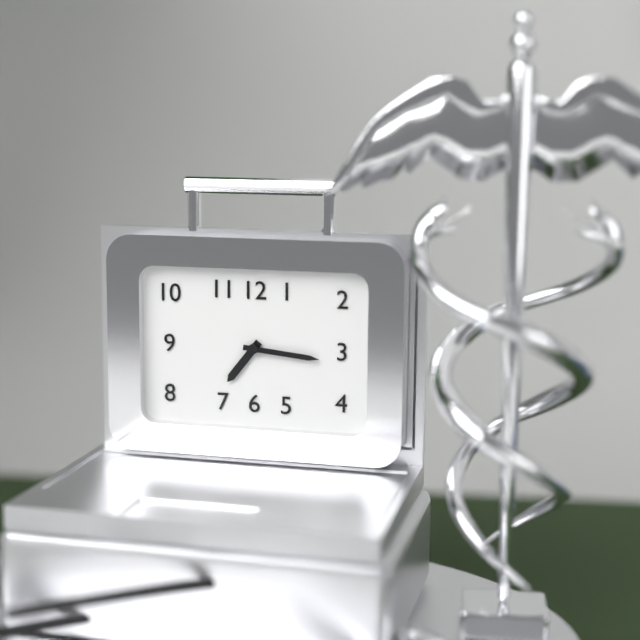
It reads 7:16
